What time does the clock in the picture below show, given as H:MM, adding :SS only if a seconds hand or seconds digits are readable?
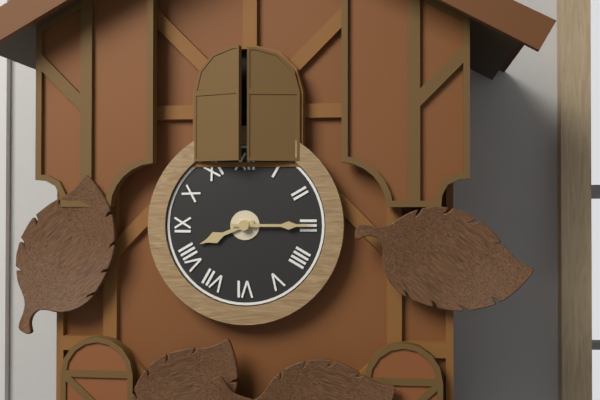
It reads 8:15
